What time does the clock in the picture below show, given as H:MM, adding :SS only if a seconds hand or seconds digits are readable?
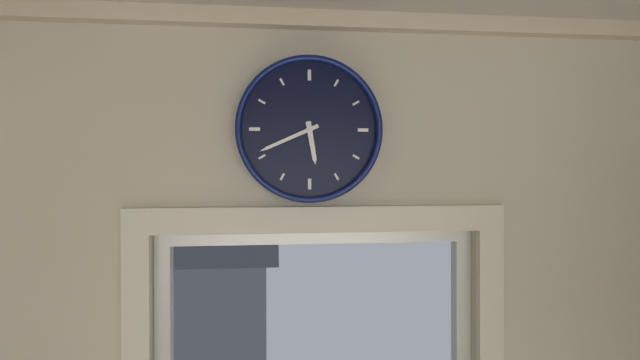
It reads 5:41
